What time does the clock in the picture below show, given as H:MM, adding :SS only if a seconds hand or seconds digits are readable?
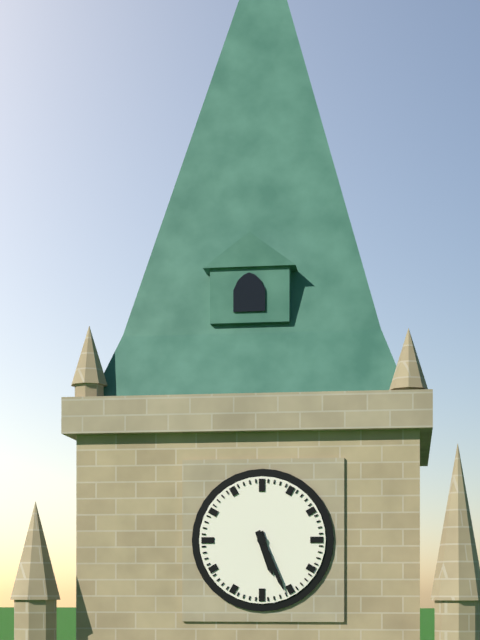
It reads 5:26
